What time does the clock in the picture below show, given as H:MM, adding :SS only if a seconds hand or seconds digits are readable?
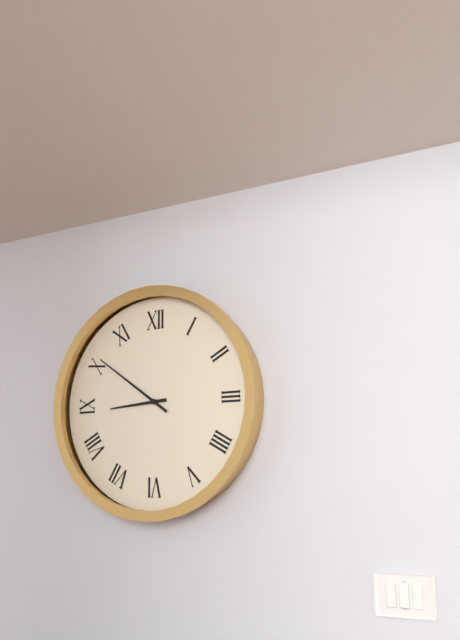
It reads 8:51
